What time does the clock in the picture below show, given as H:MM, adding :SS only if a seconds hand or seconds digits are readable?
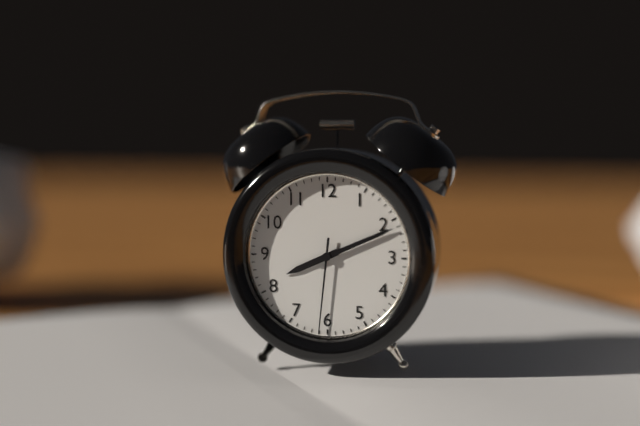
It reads 8:11:31
